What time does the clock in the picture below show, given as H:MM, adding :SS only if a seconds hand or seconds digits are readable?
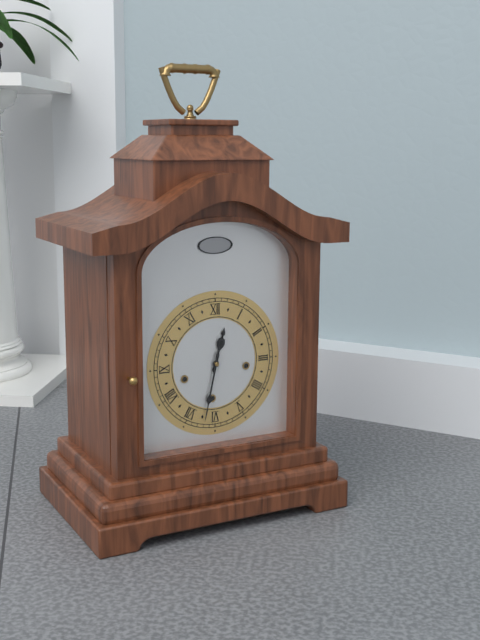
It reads 12:32
